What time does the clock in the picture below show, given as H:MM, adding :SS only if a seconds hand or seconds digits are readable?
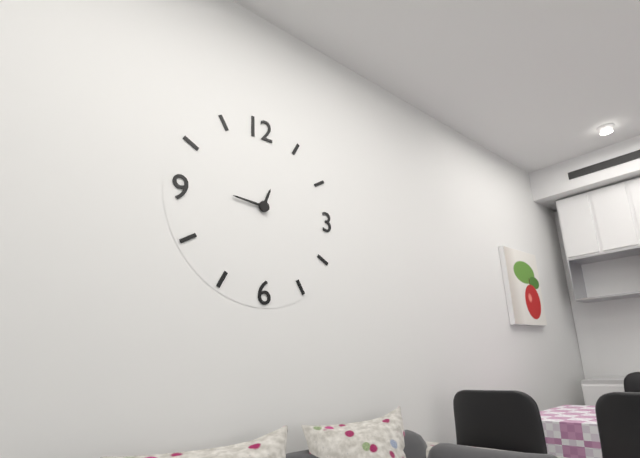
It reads 12:46
